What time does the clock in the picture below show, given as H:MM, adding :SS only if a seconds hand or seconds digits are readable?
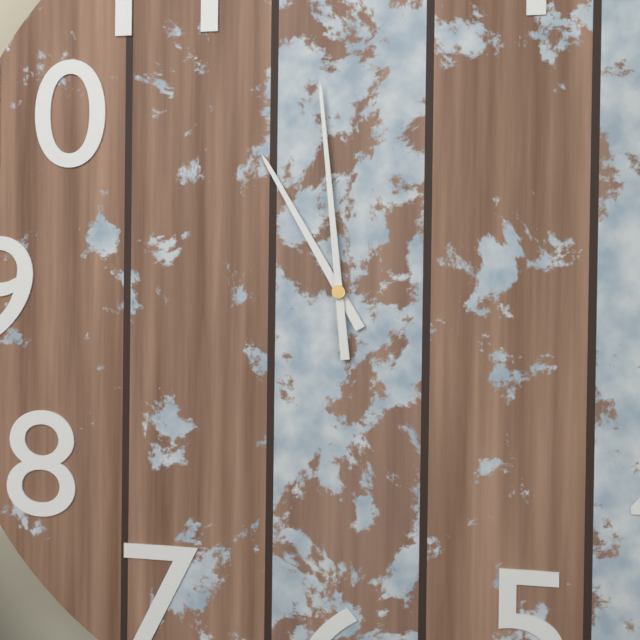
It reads 10:59
